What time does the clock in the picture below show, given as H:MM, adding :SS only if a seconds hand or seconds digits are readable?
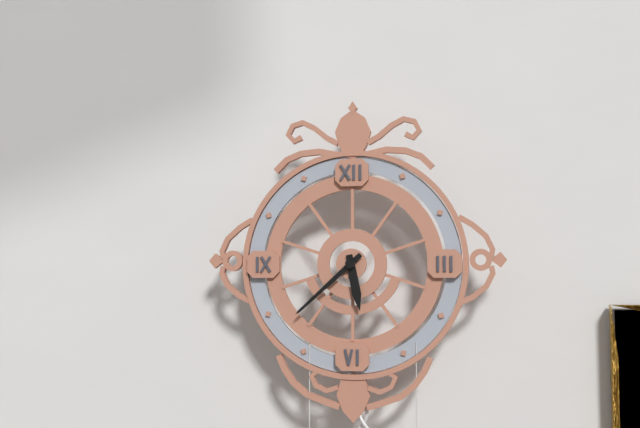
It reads 5:38
